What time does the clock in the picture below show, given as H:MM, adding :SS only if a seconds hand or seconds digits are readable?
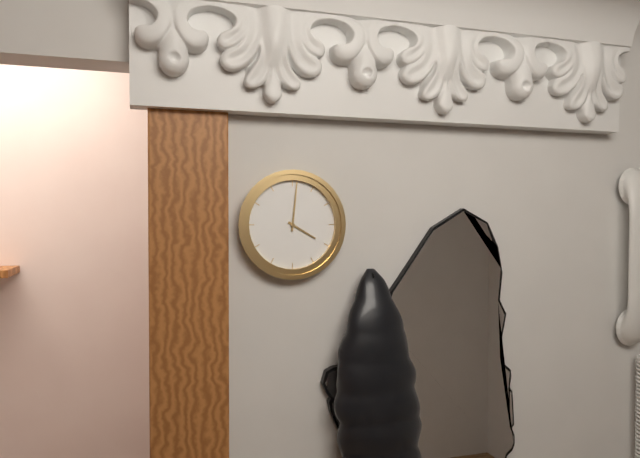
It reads 4:01
